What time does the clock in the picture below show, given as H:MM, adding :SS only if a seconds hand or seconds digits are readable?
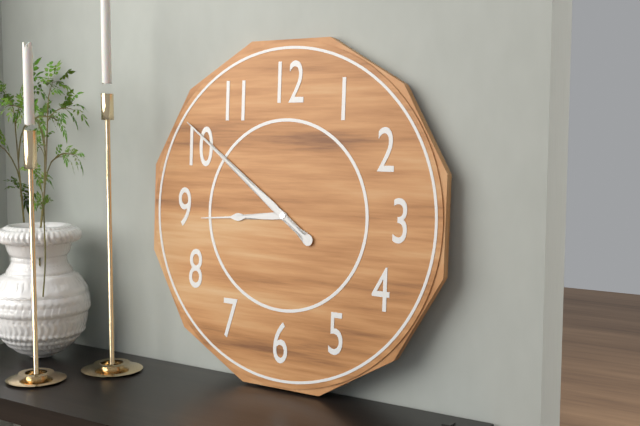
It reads 8:51
